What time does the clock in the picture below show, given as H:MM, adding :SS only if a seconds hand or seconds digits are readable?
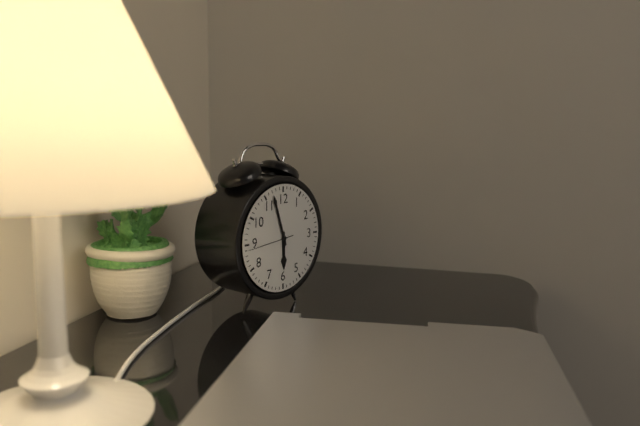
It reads 5:57
